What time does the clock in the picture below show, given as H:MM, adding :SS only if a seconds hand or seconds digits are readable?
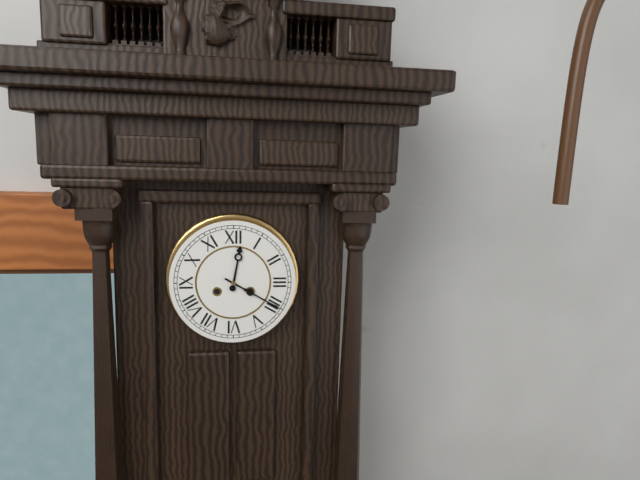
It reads 12:20
